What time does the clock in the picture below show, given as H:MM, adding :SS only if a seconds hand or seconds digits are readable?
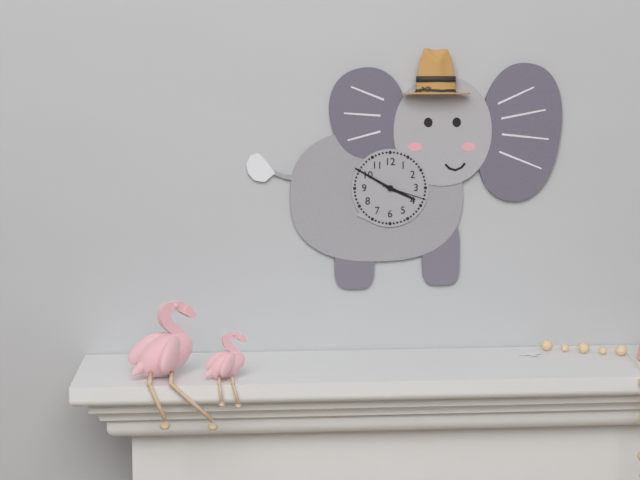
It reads 3:50
